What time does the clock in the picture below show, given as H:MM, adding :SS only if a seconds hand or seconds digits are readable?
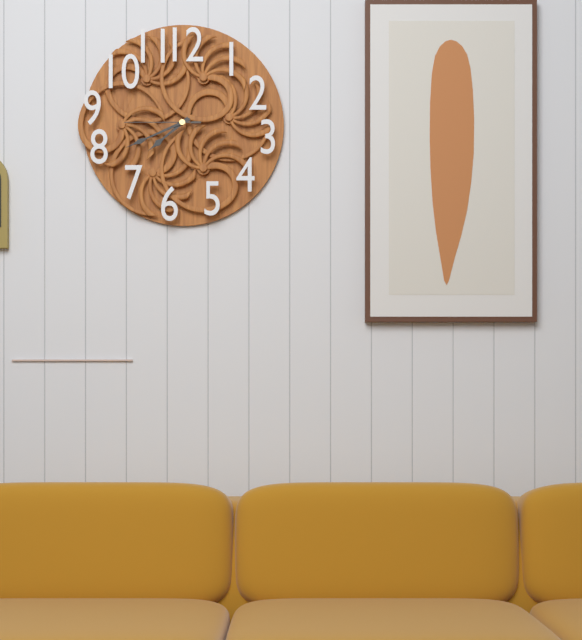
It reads 7:41:45
